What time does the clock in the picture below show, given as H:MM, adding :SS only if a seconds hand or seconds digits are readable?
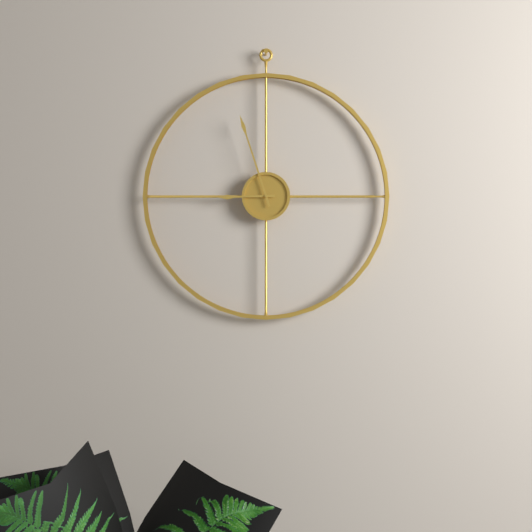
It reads 8:57
